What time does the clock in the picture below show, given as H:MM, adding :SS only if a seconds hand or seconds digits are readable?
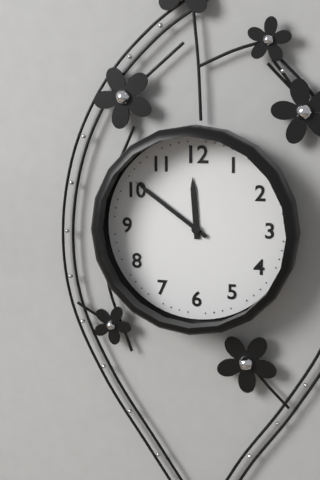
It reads 11:51
